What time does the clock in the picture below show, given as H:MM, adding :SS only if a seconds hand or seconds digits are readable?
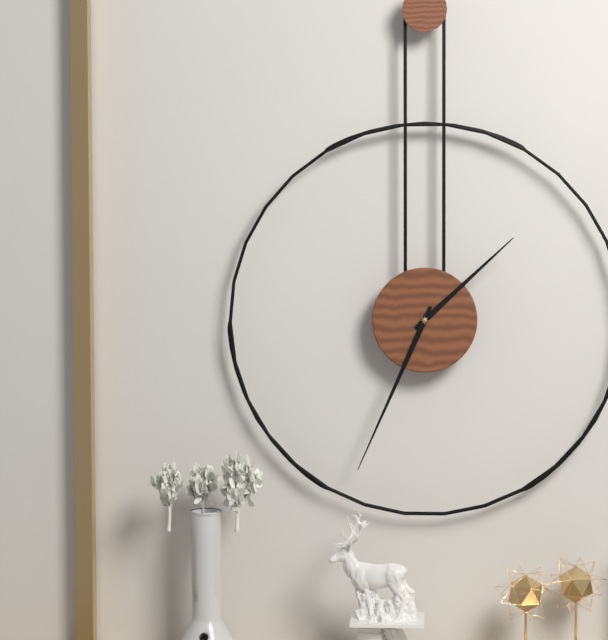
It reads 1:34
